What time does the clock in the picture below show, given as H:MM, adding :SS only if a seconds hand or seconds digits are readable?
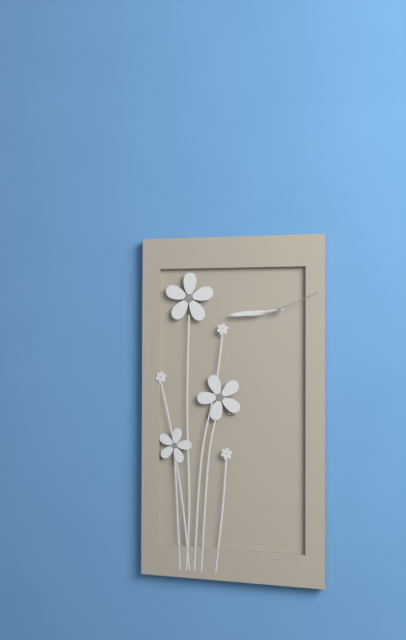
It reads 8:44:11
